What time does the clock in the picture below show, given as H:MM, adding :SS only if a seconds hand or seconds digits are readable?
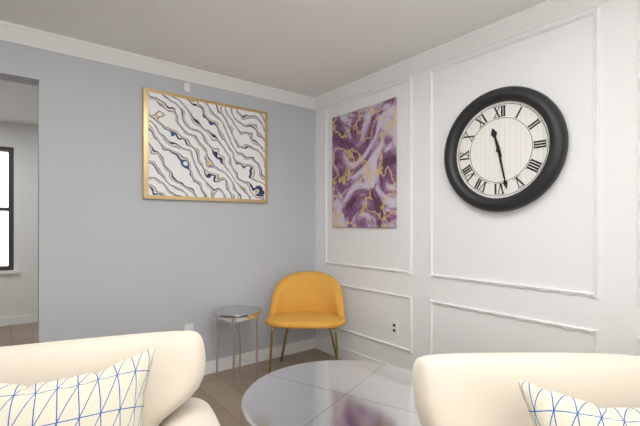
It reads 11:28
